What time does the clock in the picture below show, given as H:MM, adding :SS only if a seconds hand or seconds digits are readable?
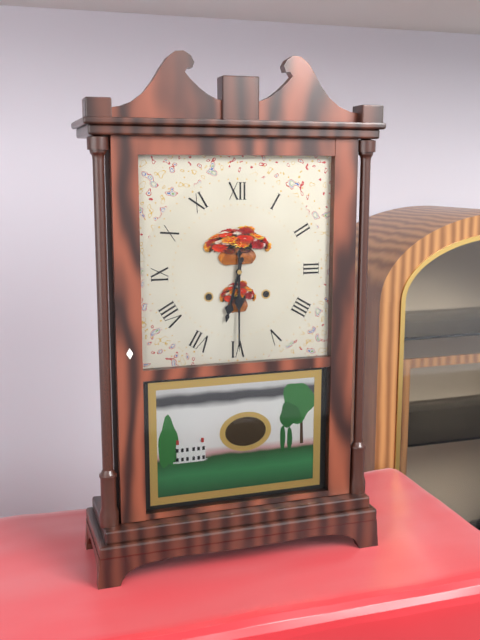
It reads 6:30
